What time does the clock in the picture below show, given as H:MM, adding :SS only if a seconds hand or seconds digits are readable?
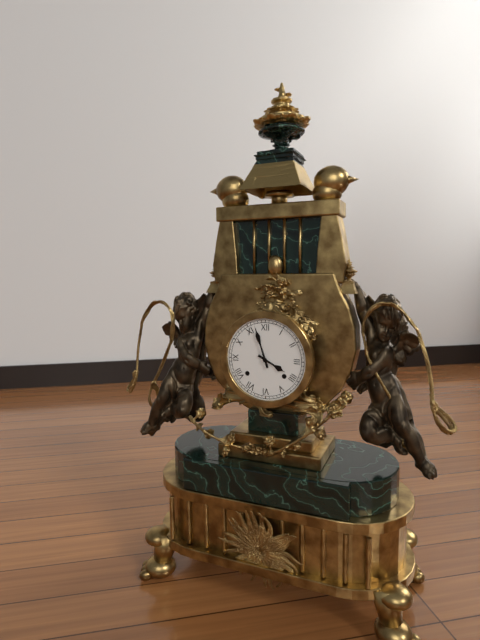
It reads 3:57
